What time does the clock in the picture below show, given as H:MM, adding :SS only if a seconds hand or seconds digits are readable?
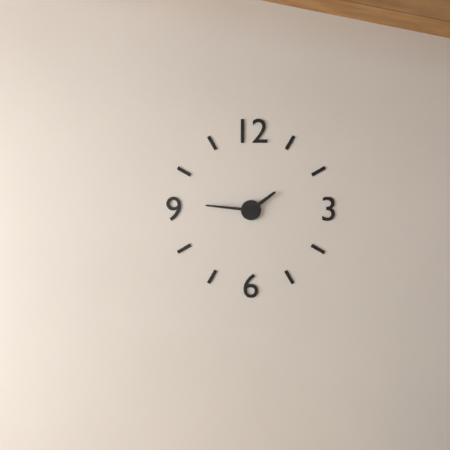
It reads 1:46
